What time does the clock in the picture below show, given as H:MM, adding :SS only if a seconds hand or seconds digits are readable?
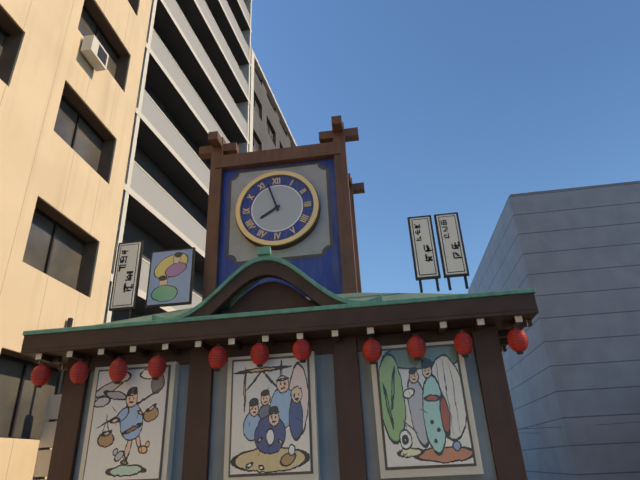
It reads 7:57
